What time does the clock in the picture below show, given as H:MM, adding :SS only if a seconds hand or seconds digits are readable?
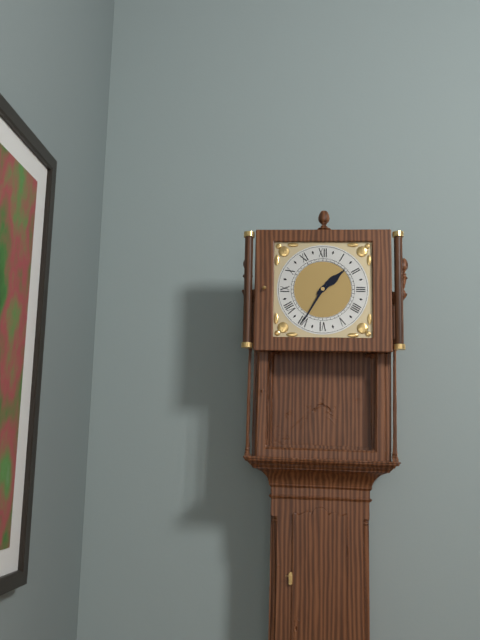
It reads 1:35
